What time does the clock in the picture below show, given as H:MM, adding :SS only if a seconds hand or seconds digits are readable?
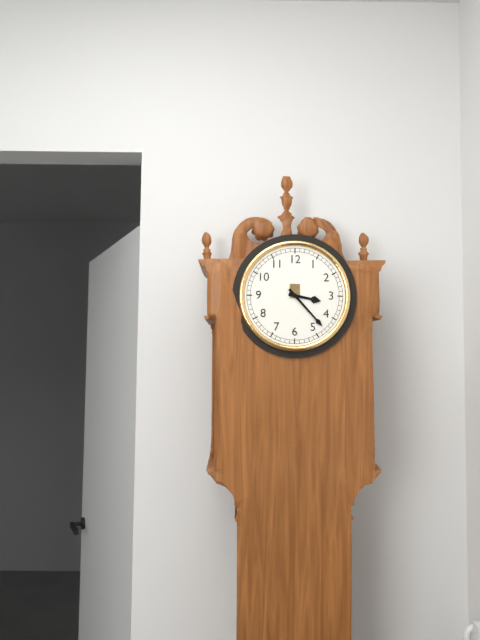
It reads 3:23
